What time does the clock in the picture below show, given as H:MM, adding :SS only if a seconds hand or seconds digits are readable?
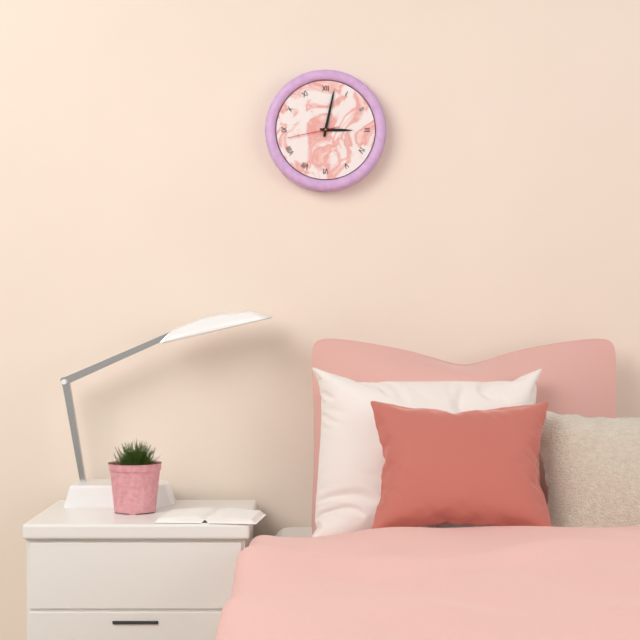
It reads 3:02
